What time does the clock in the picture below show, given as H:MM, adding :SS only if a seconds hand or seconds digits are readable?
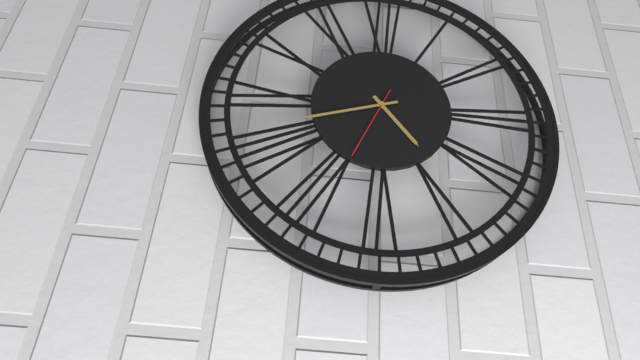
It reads 4:42:34
